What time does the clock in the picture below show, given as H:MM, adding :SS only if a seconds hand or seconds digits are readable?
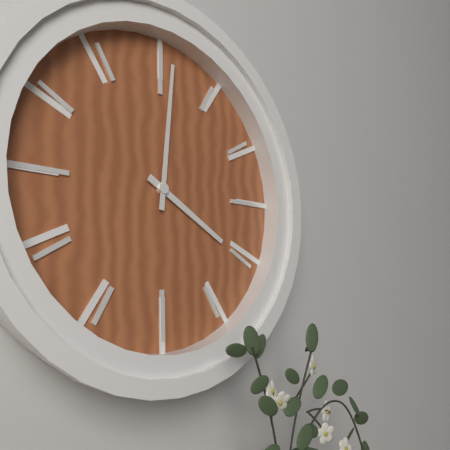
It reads 4:01
